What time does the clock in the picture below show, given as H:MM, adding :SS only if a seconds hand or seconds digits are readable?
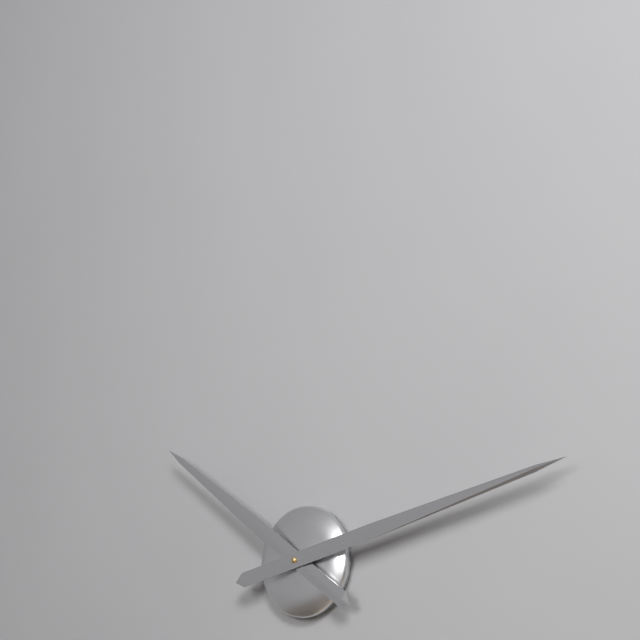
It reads 10:13
